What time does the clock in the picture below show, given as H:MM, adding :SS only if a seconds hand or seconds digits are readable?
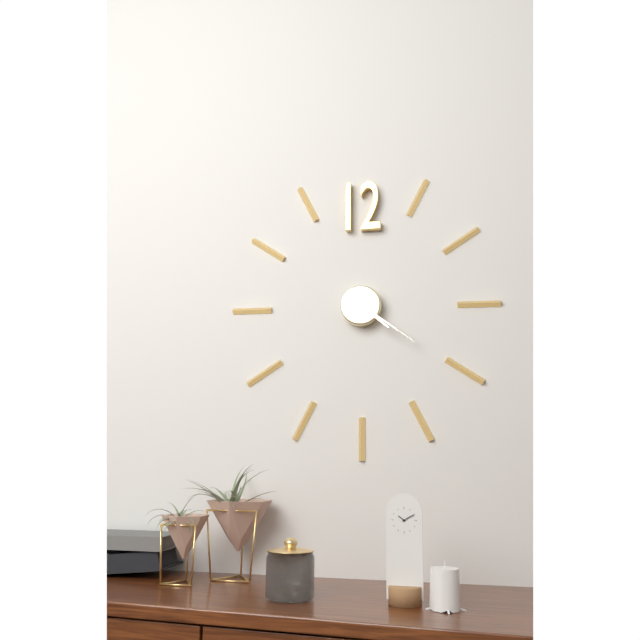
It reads 4:21
